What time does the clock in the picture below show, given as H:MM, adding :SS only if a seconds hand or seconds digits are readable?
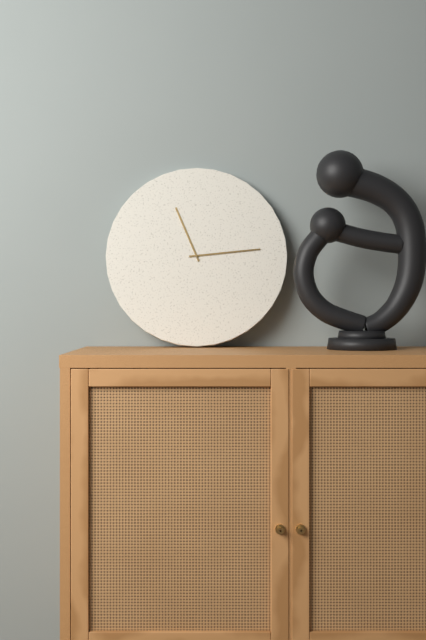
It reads 11:14
